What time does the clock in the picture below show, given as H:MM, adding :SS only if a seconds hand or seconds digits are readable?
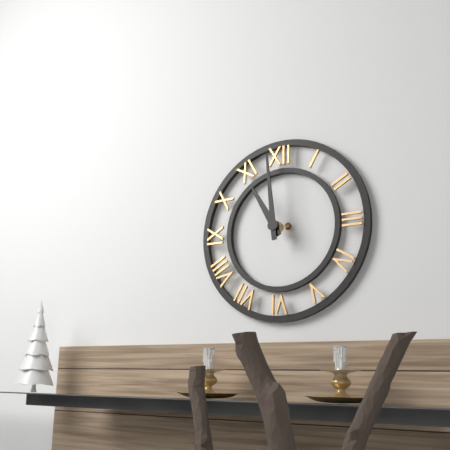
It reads 10:59
